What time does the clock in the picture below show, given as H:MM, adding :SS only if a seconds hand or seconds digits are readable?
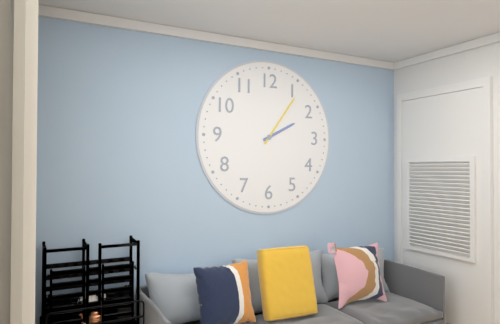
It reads 2:06
